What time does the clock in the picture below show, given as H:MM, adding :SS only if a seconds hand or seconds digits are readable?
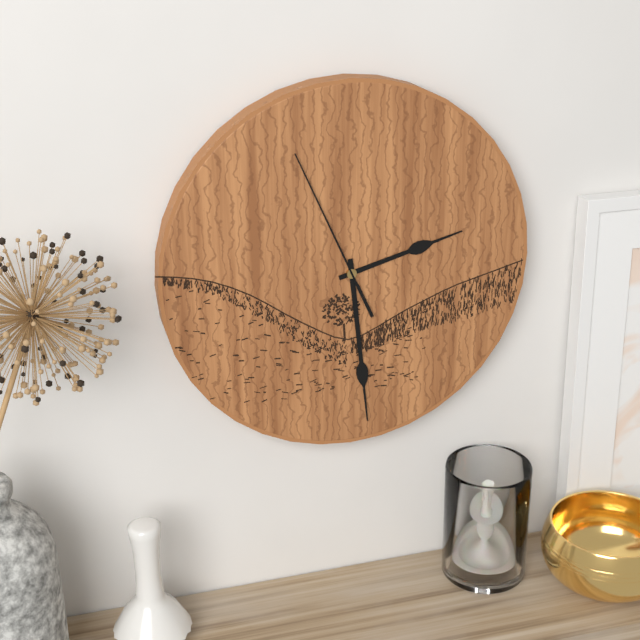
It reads 2:29:56
